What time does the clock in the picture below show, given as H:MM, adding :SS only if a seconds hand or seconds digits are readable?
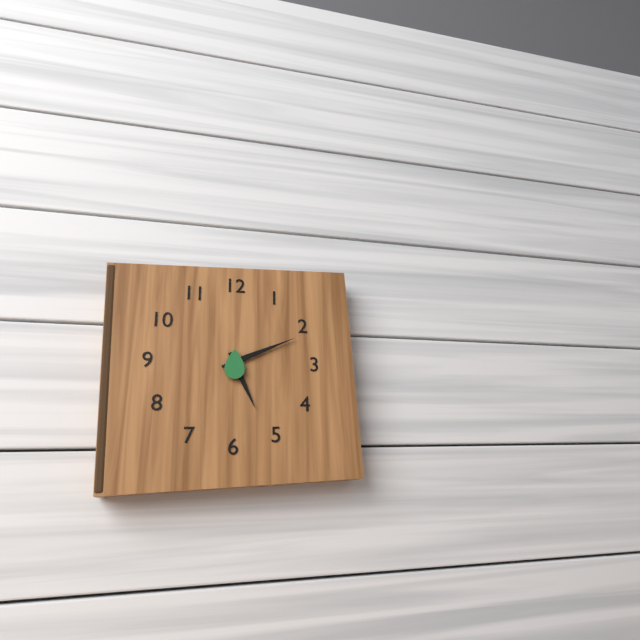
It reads 5:11
